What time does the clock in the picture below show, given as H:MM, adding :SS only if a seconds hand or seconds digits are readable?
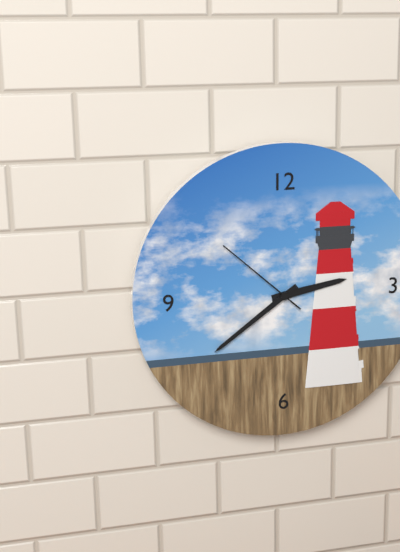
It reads 2:39:52
